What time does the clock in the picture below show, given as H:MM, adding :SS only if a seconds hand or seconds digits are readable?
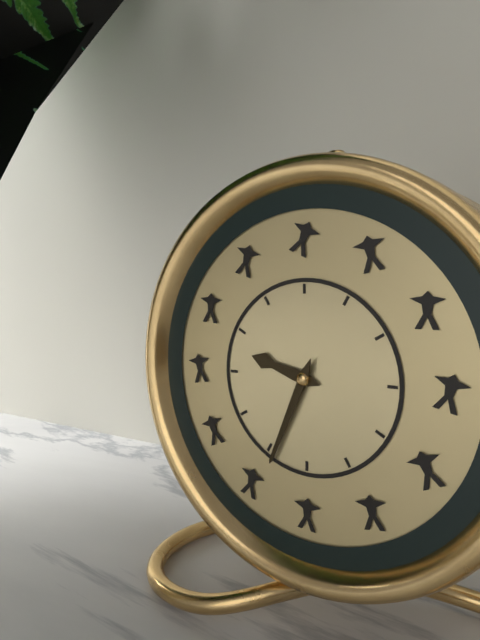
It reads 9:34
